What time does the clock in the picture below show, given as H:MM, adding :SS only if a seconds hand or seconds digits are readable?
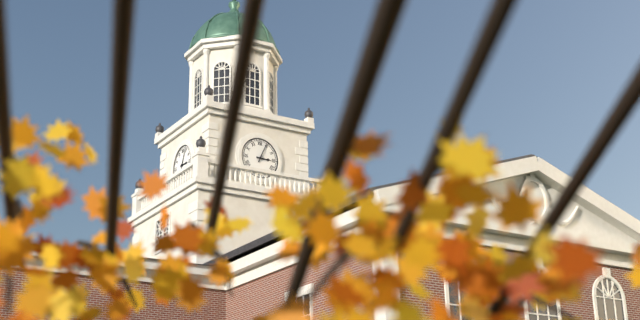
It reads 3:04
